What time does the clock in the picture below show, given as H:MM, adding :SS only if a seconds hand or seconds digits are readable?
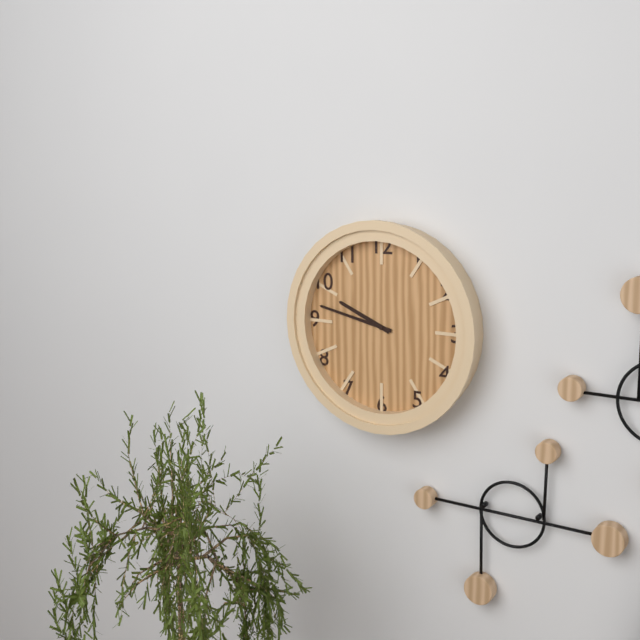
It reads 9:47
